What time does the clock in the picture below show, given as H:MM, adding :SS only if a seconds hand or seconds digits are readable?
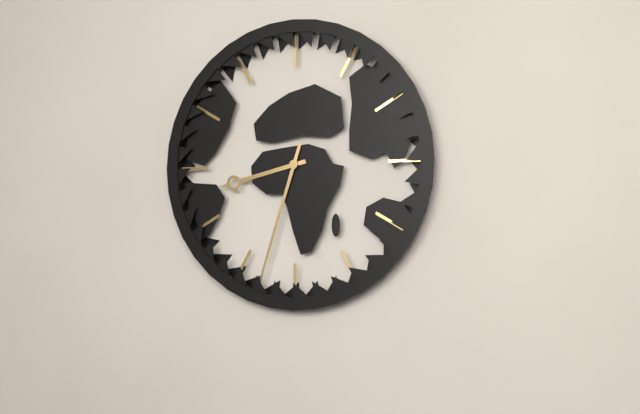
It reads 8:33
